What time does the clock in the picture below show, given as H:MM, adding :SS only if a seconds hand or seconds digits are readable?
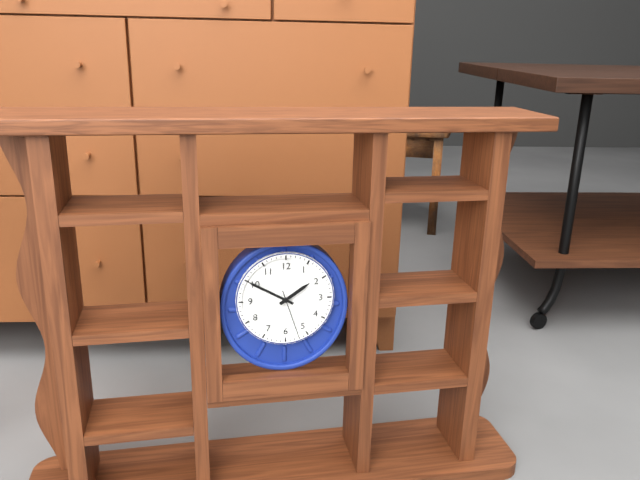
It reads 1:50
